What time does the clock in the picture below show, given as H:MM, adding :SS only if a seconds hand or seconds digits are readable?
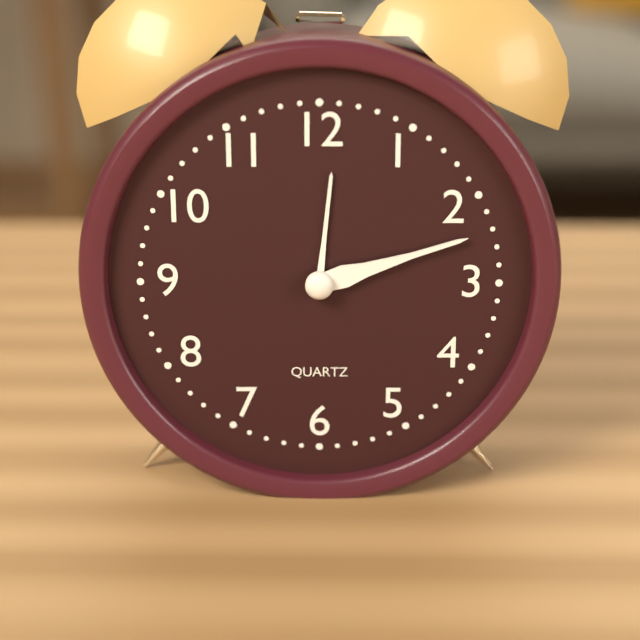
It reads 12:12
